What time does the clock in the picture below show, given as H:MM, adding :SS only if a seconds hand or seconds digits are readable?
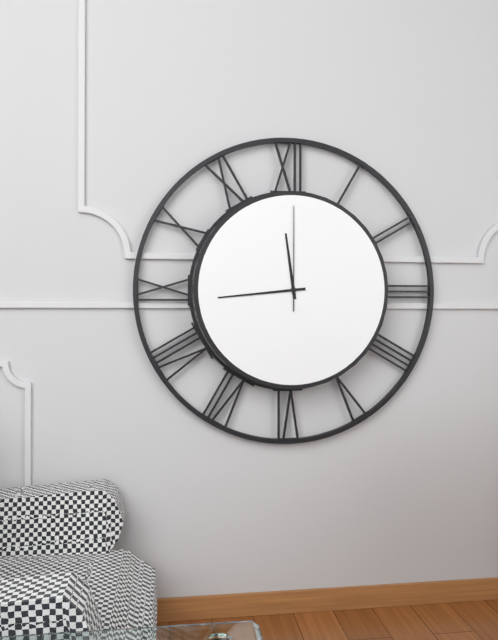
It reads 11:44:00
